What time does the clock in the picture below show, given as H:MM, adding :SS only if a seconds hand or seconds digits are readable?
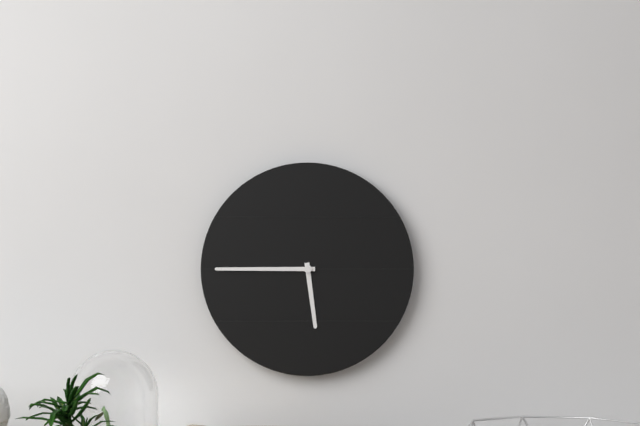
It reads 5:45
